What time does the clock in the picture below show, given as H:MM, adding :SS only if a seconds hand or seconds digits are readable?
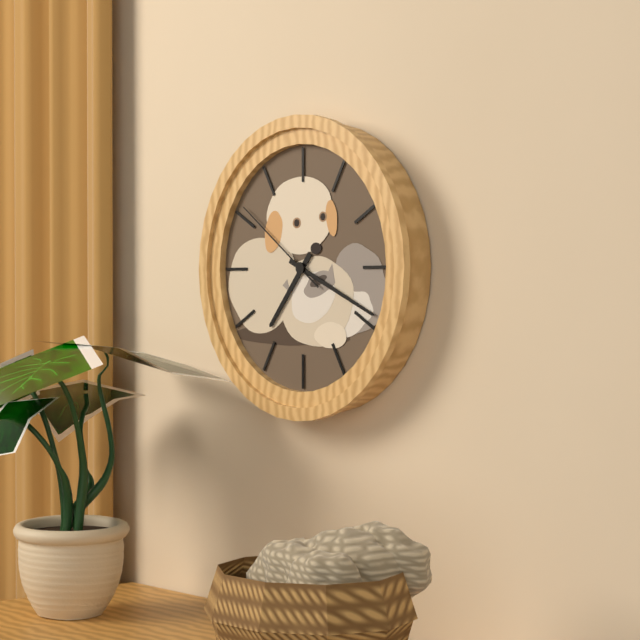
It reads 7:19:51
